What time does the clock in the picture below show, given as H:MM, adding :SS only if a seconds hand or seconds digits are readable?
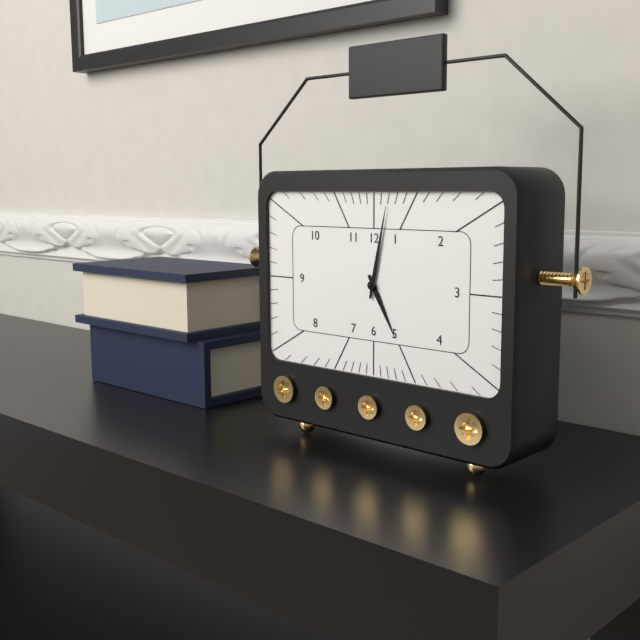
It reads 5:02
